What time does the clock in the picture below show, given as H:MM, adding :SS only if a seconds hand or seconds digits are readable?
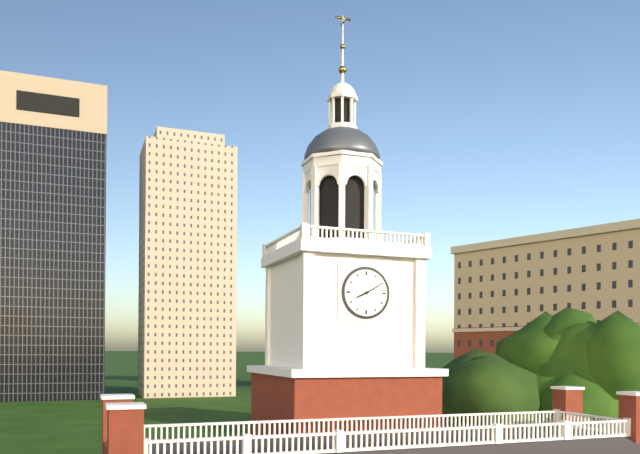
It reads 8:10
